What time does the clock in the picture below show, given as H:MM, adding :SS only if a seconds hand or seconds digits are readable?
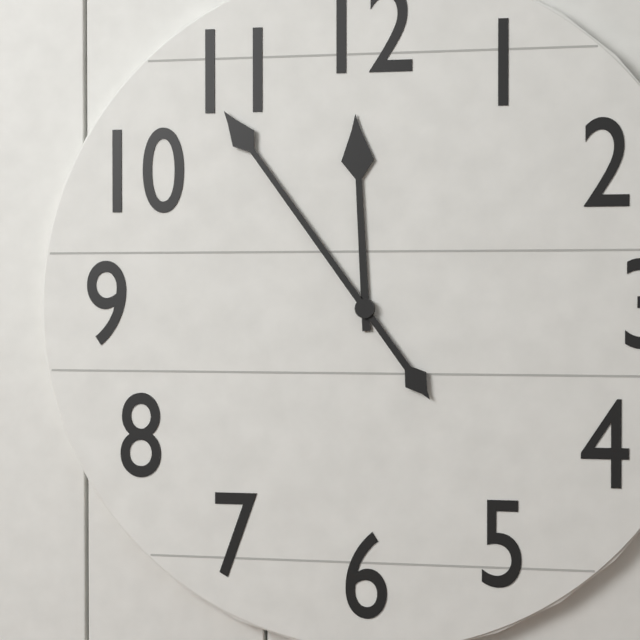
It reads 11:54
